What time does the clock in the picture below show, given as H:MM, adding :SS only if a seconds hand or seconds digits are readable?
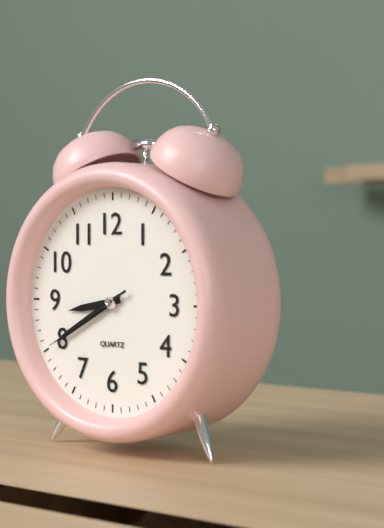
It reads 8:40:40
